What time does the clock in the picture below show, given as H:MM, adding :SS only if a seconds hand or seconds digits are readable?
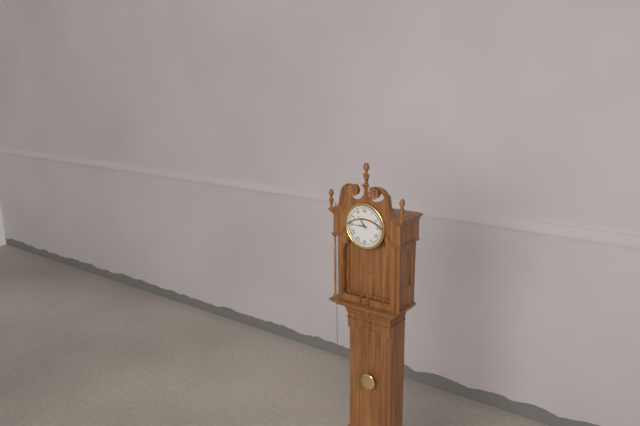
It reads 10:45
